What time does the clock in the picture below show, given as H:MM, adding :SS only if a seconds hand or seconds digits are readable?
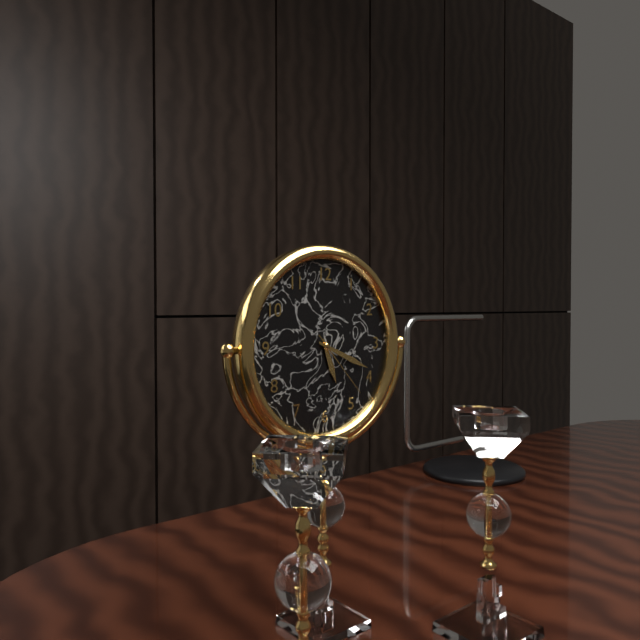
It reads 5:19:23
